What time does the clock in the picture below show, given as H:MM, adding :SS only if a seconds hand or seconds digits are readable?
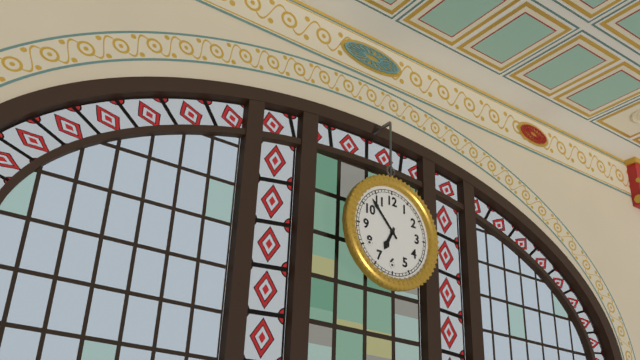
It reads 6:53
